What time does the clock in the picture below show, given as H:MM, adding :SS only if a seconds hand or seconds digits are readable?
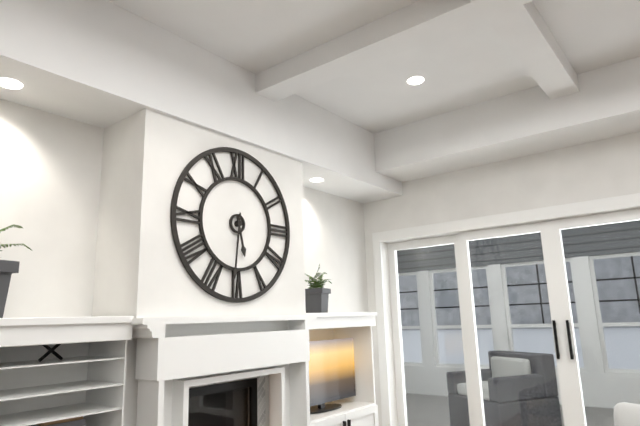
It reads 5:31
